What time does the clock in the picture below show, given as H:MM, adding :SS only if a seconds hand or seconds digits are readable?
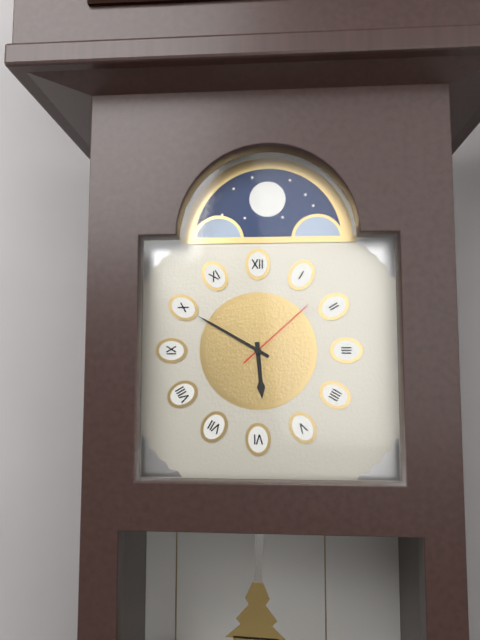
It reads 5:50:08
